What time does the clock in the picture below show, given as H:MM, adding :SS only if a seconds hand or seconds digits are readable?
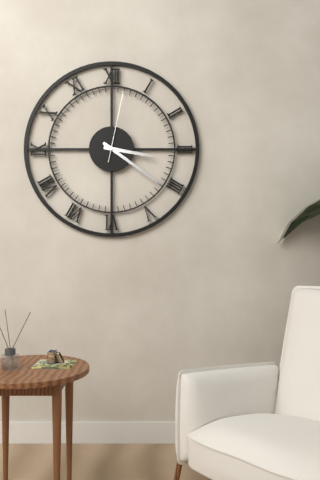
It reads 3:21:02
